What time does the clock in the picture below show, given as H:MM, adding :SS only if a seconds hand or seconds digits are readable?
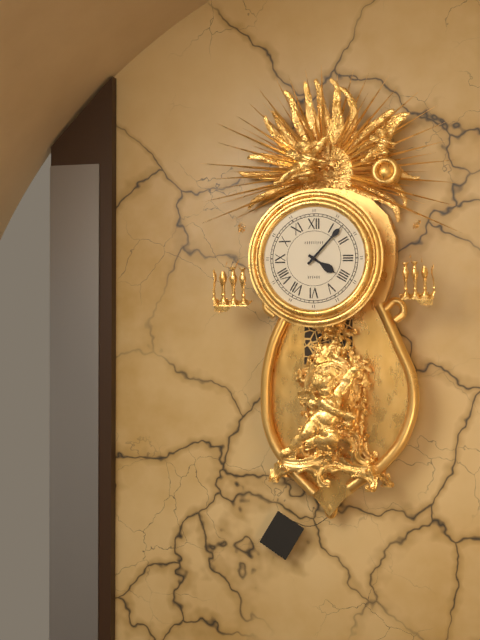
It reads 4:07
